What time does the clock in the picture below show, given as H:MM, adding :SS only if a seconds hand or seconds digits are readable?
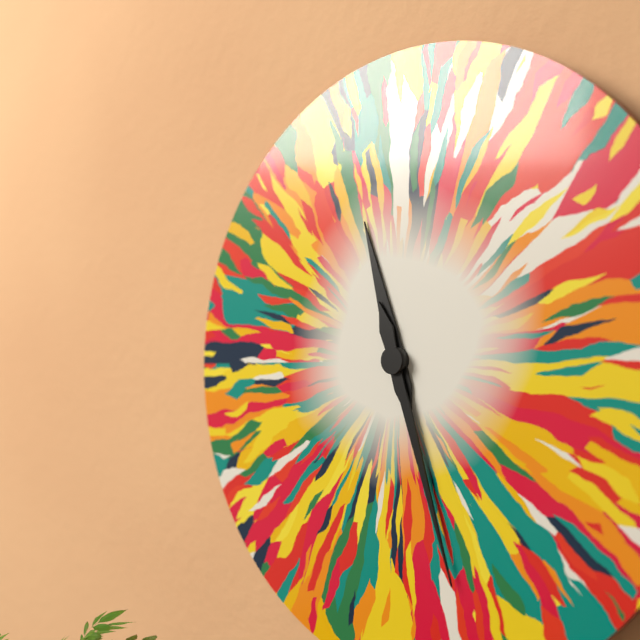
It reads 11:27
